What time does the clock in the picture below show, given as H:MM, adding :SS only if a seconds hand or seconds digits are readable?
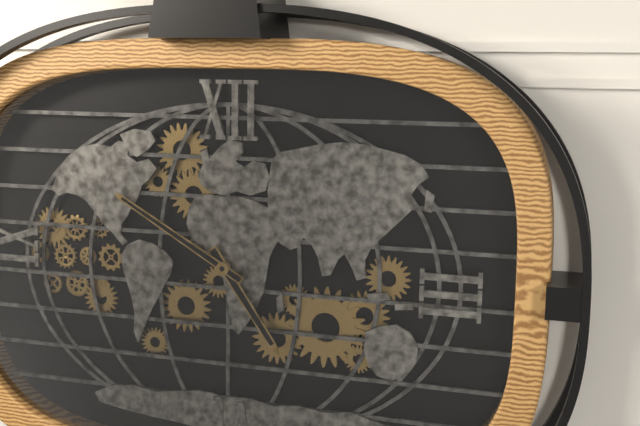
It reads 4:50
